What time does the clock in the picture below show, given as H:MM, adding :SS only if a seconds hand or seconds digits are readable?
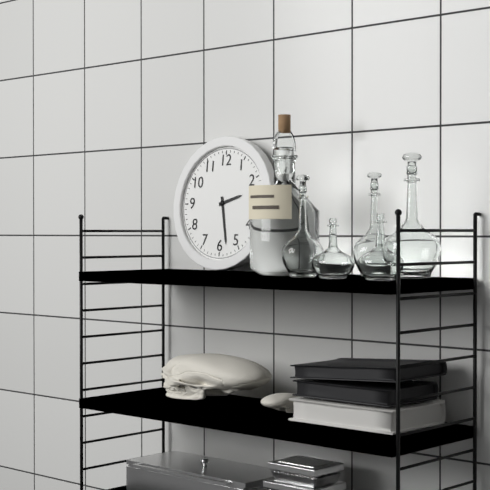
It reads 2:28
